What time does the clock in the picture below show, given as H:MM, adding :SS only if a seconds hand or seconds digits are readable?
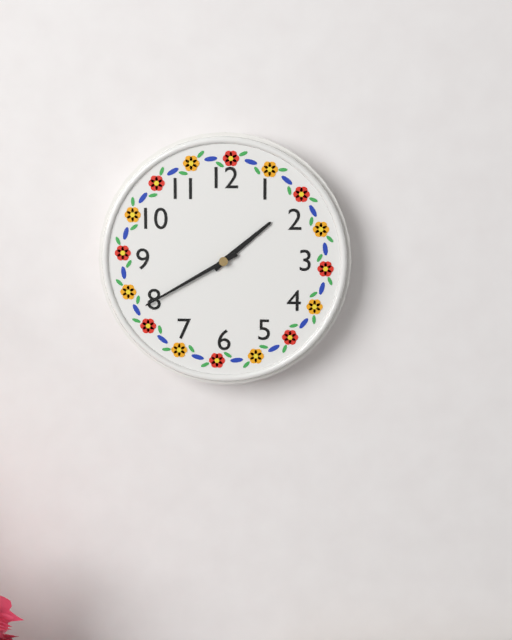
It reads 1:40
